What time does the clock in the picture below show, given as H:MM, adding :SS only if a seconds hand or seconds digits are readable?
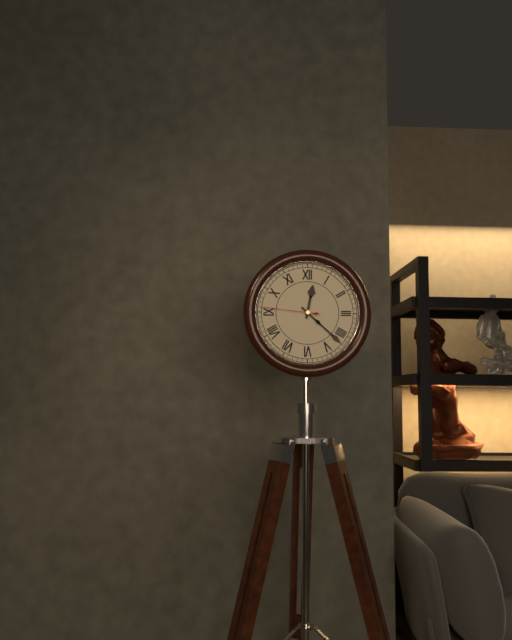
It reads 12:22:46
